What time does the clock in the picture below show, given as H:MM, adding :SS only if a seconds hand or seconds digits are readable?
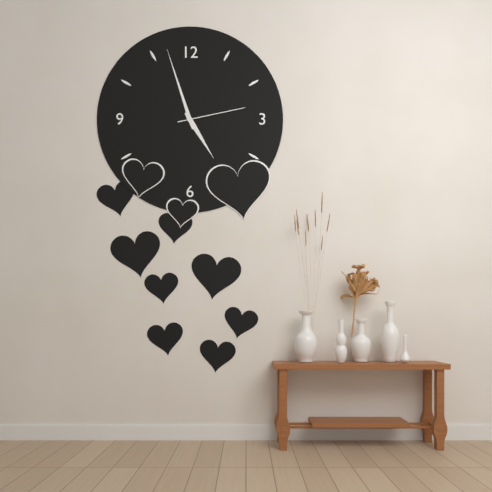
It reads 4:57:13
